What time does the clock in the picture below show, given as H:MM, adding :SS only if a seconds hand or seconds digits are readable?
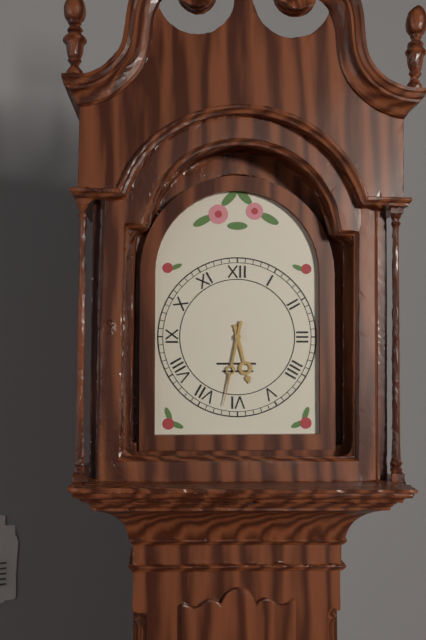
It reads 5:32
